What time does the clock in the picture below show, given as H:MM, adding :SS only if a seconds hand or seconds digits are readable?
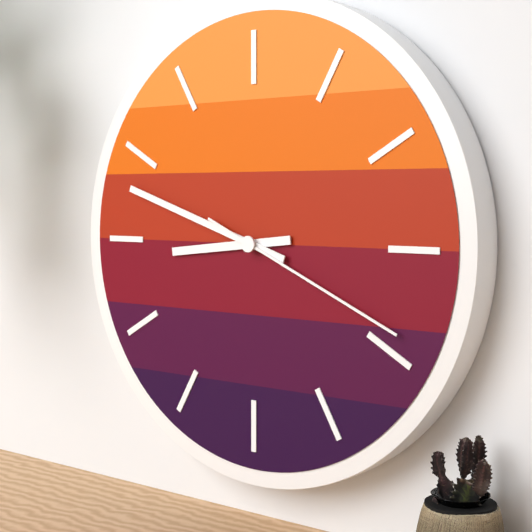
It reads 8:48:19
